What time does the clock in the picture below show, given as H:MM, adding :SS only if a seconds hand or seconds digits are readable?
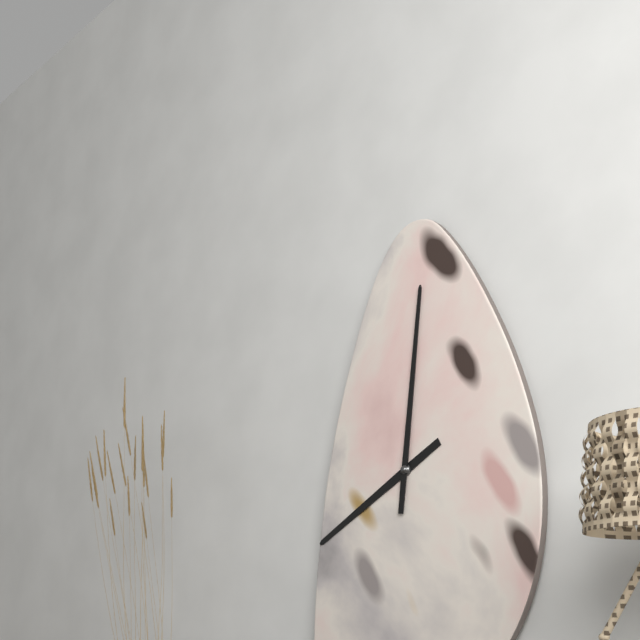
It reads 8:01
